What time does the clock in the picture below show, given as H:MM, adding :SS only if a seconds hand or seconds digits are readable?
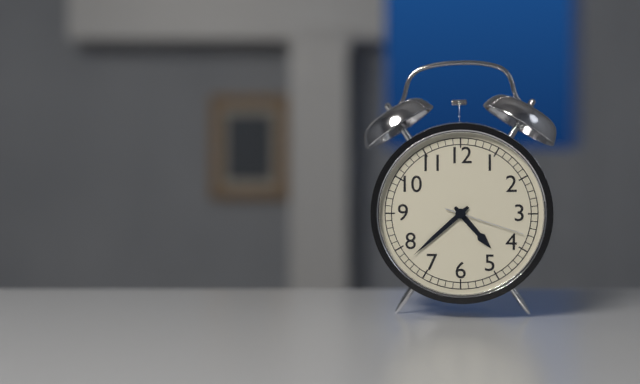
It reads 4:38:18
